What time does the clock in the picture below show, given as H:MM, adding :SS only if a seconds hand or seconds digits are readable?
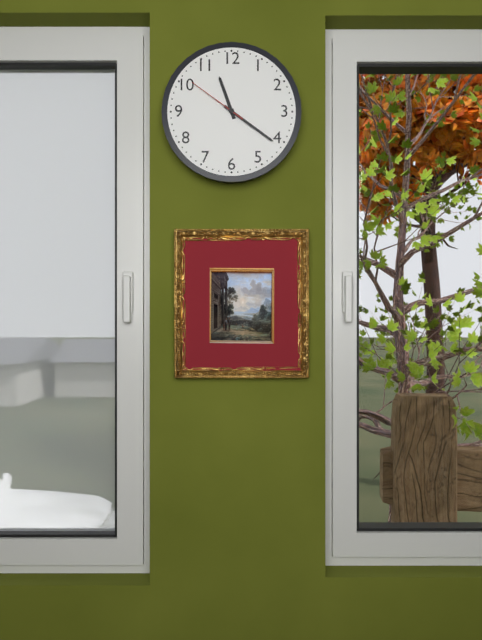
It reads 11:21:51
